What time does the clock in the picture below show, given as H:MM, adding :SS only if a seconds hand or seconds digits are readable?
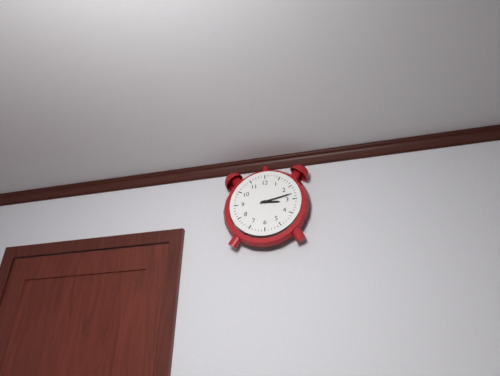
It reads 3:13
